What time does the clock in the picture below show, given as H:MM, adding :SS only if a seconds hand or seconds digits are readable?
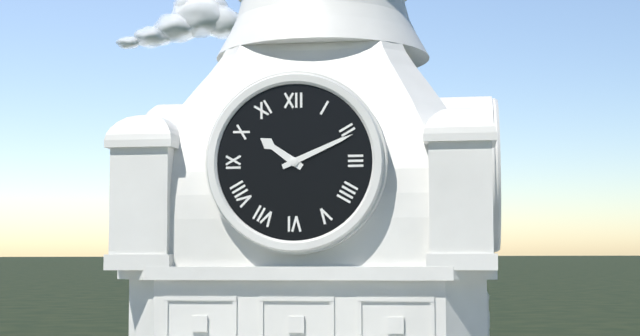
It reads 10:11
